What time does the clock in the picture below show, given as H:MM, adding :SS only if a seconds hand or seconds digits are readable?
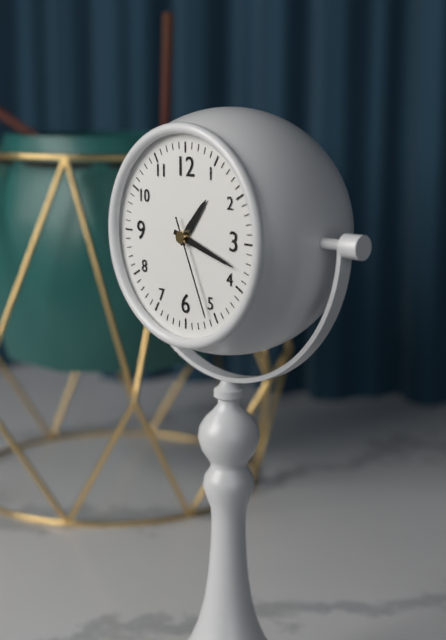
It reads 1:18:26
